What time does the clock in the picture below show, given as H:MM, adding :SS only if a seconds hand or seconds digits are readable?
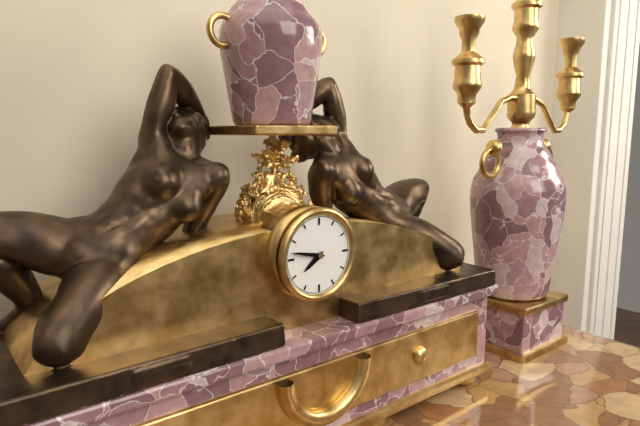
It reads 7:47
